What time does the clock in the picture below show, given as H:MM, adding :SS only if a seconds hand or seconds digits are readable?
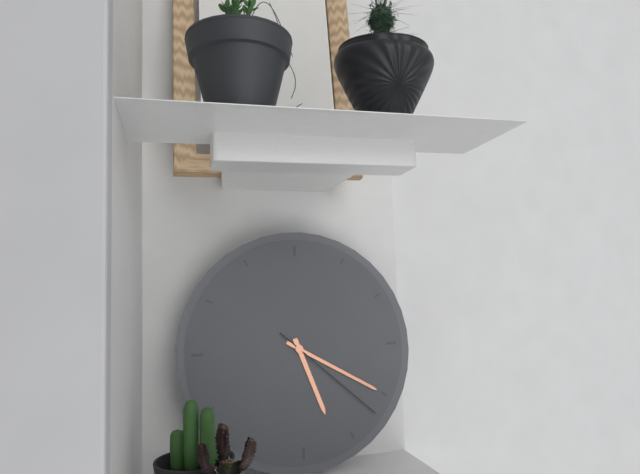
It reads 5:20:22
